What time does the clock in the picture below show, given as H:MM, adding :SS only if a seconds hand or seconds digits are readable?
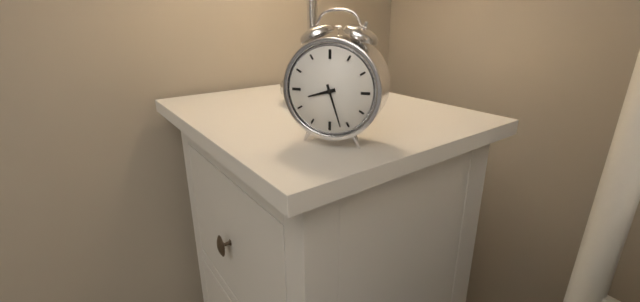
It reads 8:27
